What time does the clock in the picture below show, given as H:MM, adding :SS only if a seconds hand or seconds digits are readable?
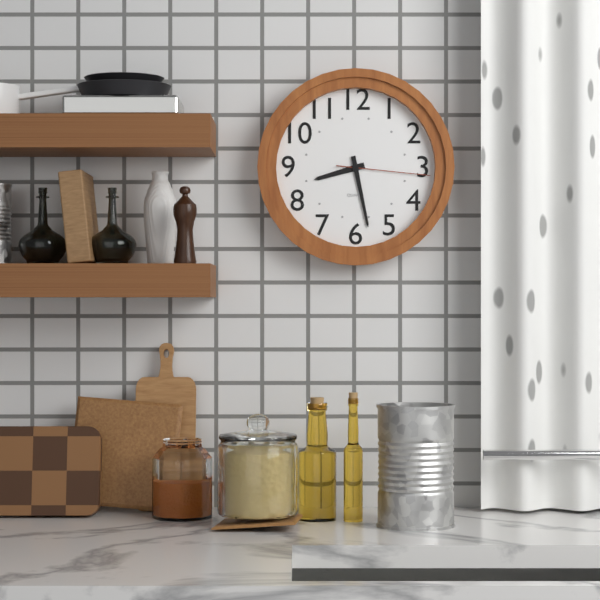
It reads 8:28:16
